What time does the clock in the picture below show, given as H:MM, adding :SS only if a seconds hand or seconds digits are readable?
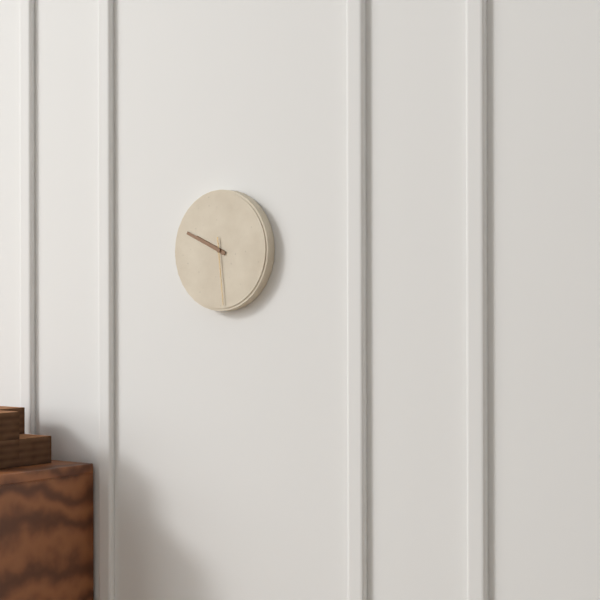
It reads 9:49:29
